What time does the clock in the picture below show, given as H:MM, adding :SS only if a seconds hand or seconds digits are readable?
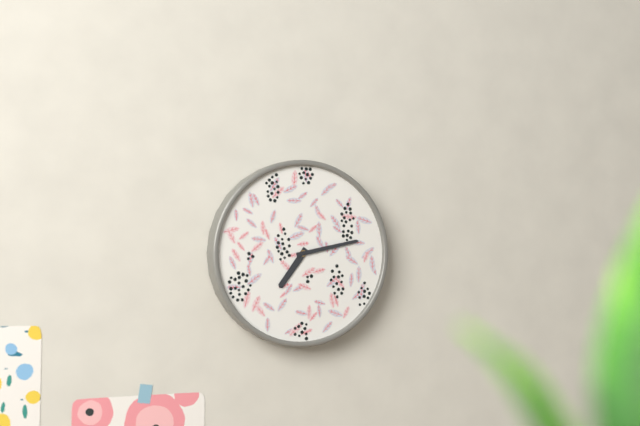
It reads 7:13
